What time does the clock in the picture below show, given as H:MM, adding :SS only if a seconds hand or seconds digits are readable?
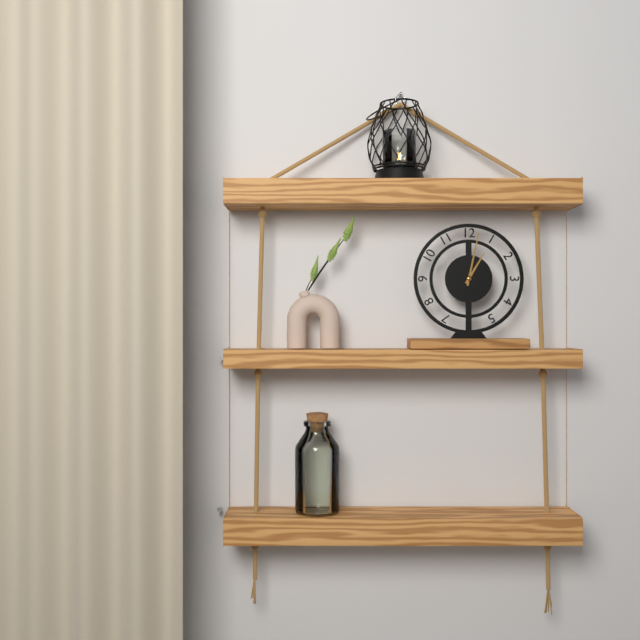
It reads 1:02
